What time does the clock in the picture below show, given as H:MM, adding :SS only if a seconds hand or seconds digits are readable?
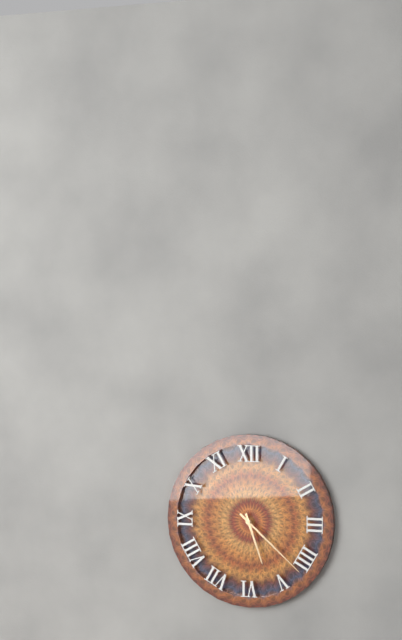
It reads 5:22
